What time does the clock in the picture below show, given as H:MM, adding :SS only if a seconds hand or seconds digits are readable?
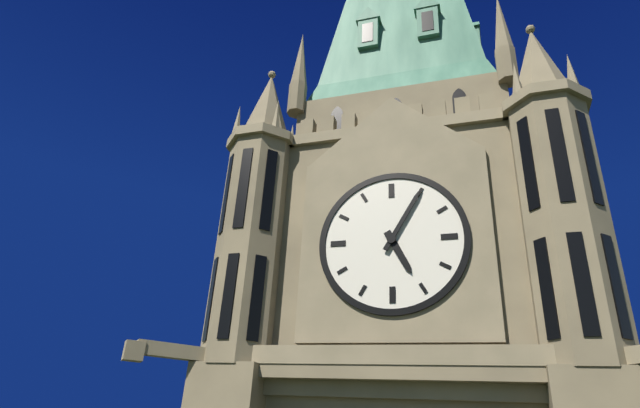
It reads 5:05
